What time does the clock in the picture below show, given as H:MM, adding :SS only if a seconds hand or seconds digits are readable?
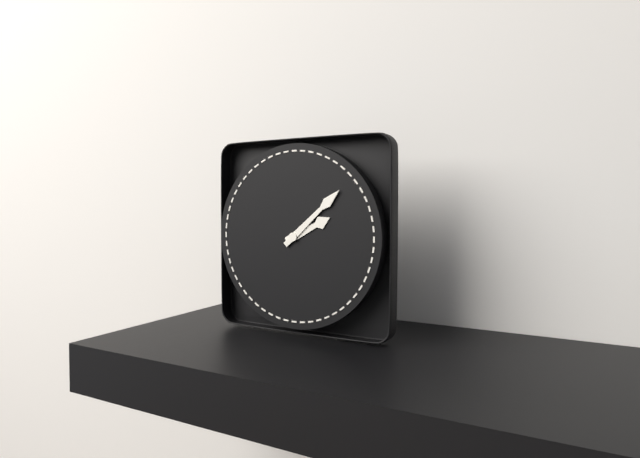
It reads 2:08
